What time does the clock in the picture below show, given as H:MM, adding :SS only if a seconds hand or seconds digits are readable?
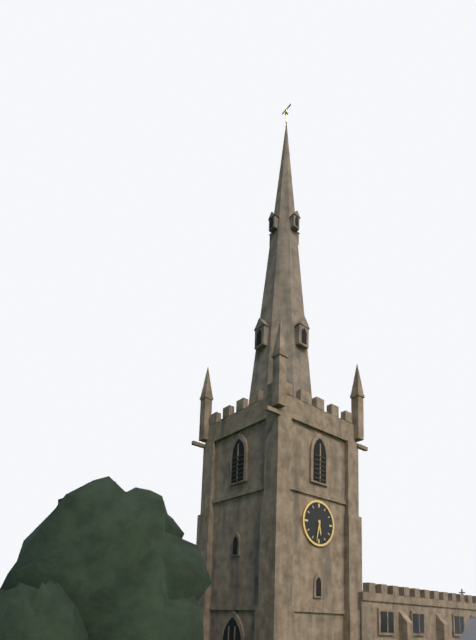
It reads 5:32
